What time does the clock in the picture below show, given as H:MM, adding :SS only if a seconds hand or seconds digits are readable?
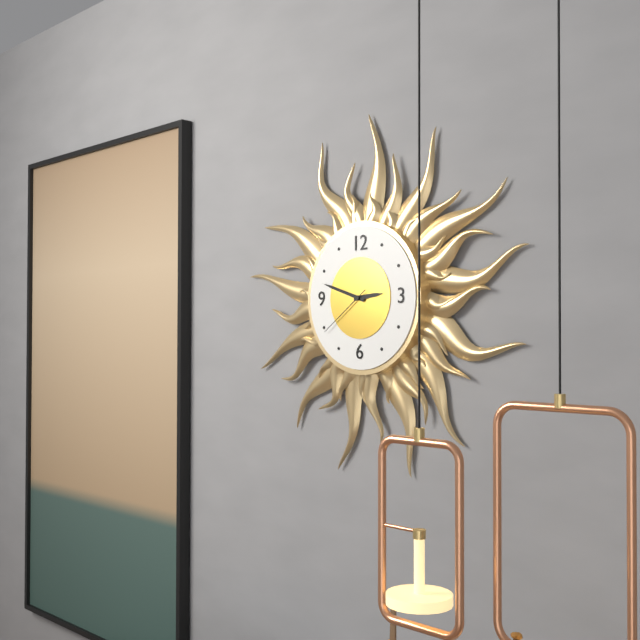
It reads 2:48:39
